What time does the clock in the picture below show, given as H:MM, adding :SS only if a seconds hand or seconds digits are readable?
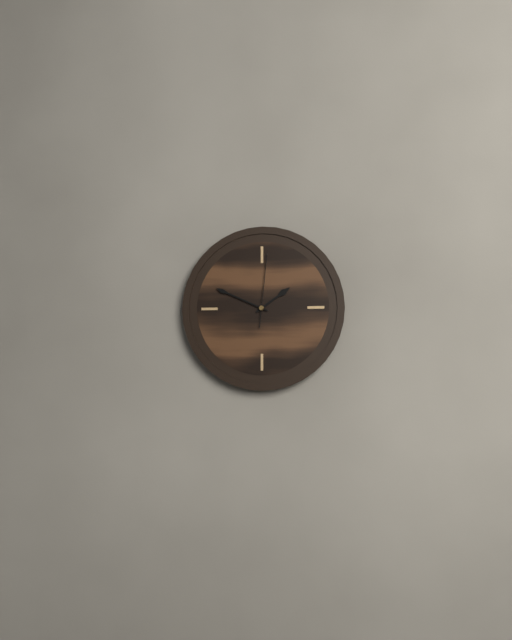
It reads 1:49:01
